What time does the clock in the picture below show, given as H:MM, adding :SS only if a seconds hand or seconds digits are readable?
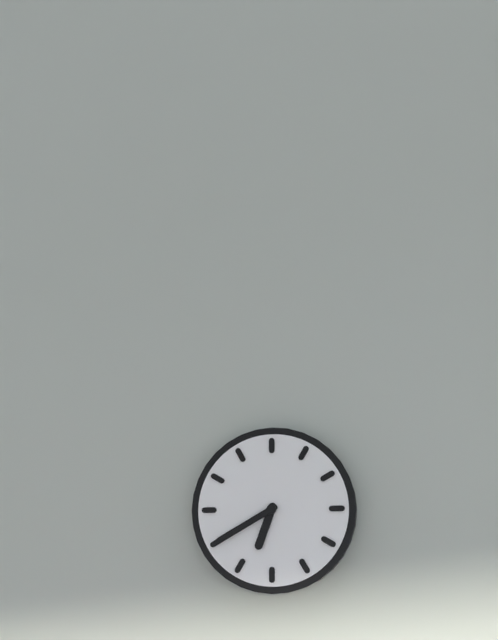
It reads 6:40
